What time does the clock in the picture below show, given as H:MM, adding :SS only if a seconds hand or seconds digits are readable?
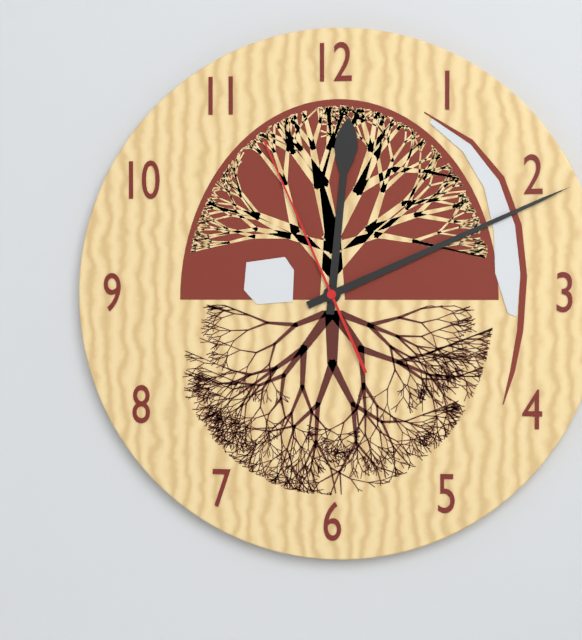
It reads 12:11:56
